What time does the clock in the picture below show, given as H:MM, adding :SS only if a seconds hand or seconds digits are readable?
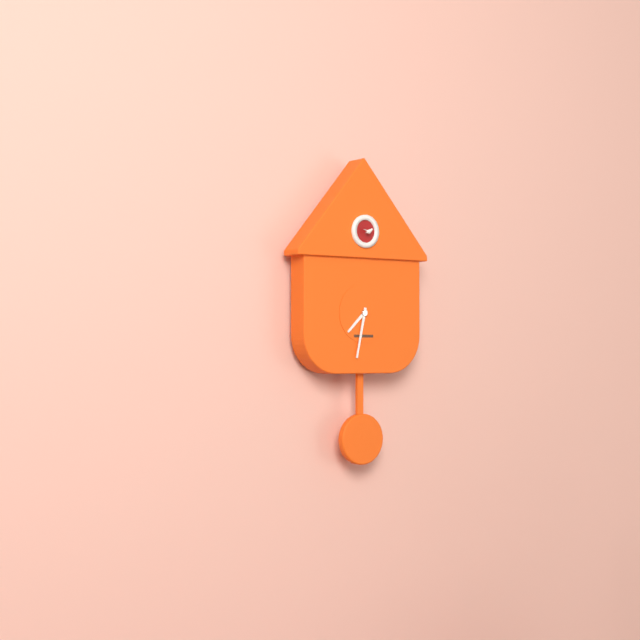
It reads 7:32
